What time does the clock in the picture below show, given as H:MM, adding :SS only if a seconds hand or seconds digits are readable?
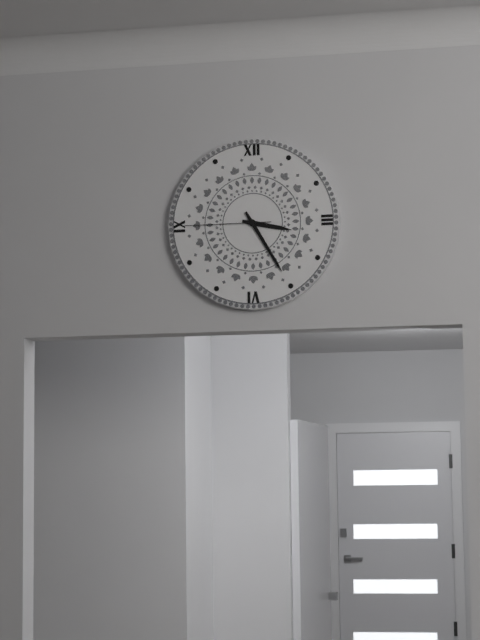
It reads 3:25:45
